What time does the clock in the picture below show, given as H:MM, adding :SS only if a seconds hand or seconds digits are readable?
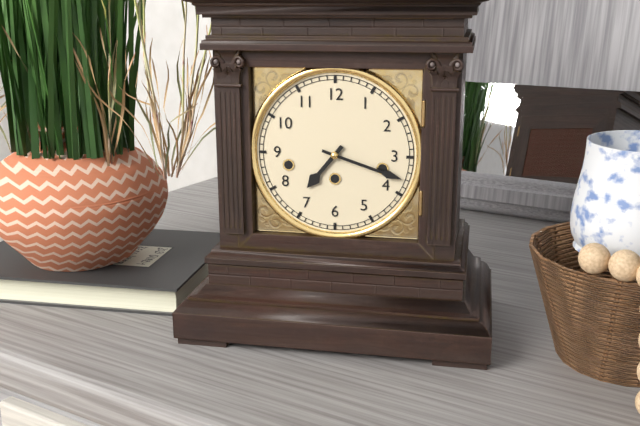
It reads 7:18
